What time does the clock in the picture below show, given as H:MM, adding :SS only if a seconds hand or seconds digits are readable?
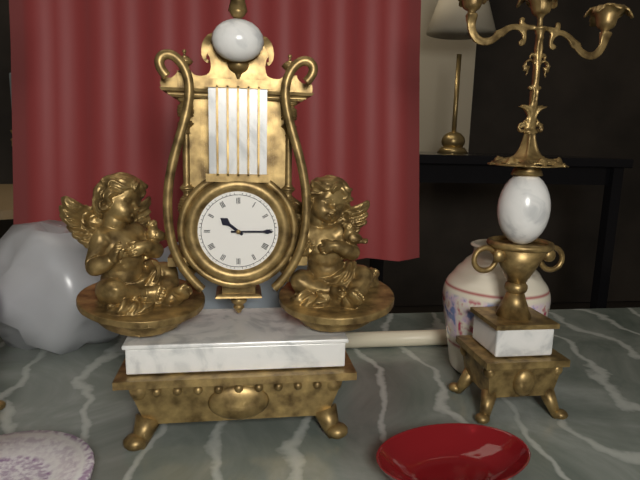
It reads 10:15
